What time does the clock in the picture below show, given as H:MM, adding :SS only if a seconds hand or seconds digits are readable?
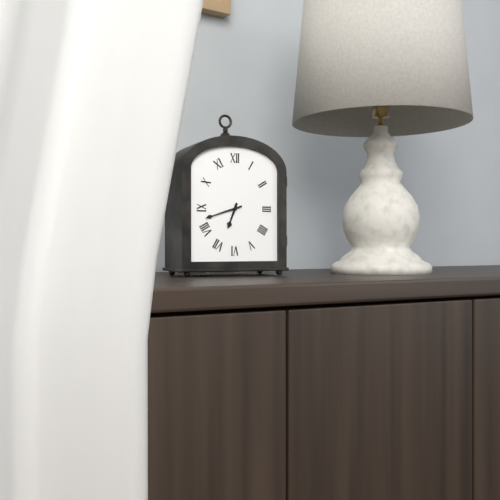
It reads 6:42
